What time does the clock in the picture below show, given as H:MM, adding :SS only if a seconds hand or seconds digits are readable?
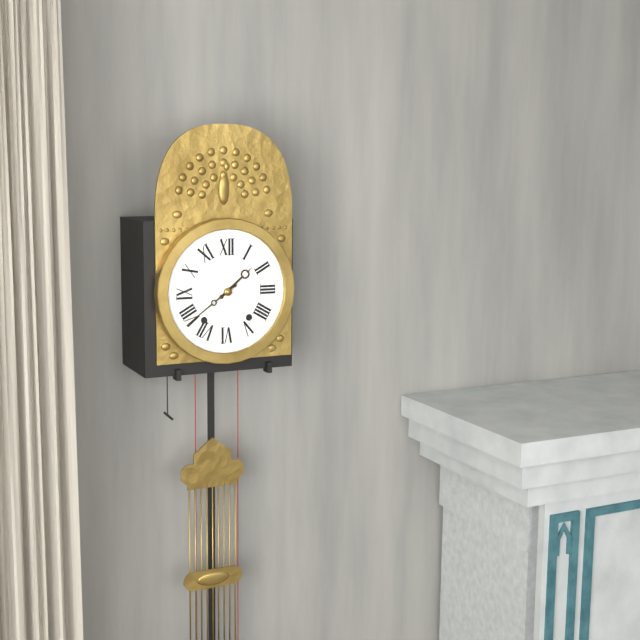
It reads 1:39
